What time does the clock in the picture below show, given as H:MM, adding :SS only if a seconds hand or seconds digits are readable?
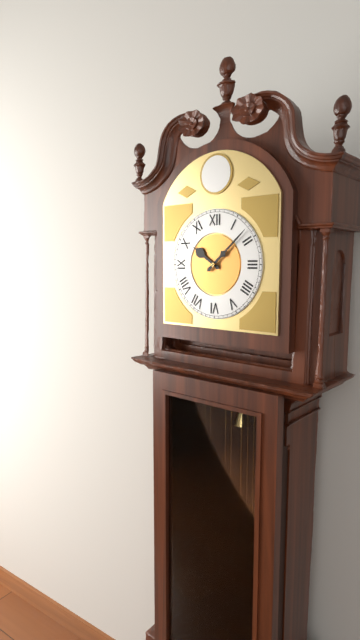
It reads 10:08
